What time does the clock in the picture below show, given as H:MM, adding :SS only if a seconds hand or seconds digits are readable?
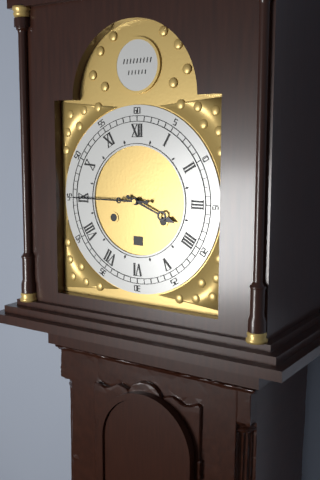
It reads 3:45
